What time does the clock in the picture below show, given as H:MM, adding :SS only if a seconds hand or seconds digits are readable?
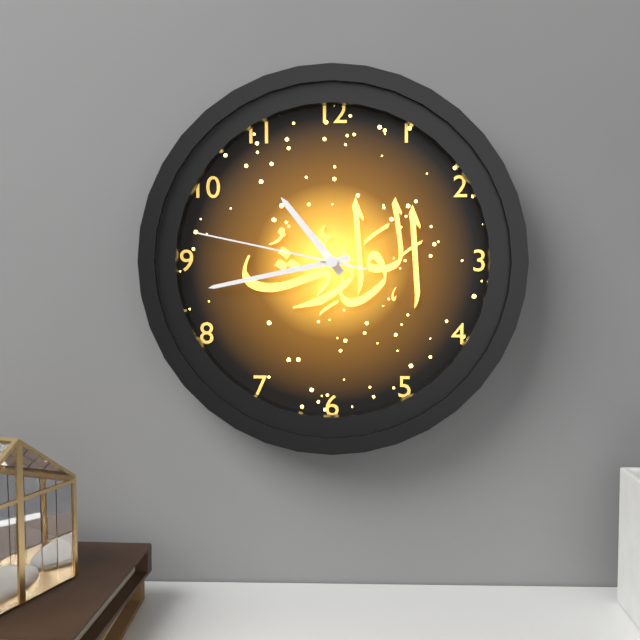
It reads 10:43:47
